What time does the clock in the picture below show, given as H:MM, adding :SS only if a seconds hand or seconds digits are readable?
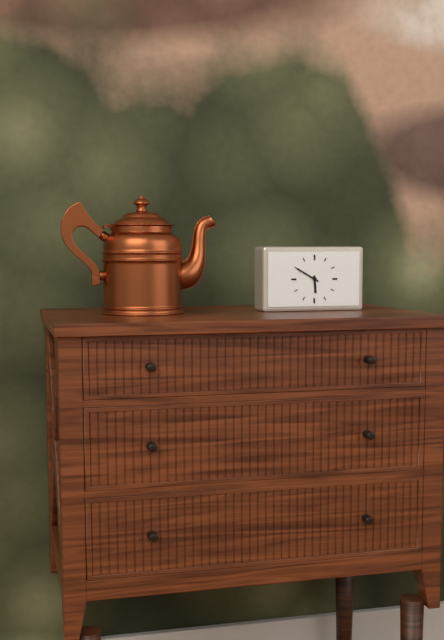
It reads 5:50
